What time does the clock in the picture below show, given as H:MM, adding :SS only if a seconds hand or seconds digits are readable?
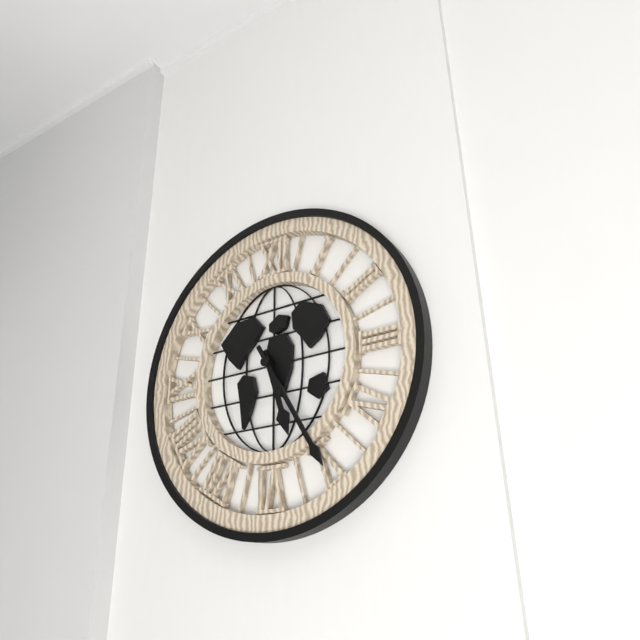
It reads 5:25
